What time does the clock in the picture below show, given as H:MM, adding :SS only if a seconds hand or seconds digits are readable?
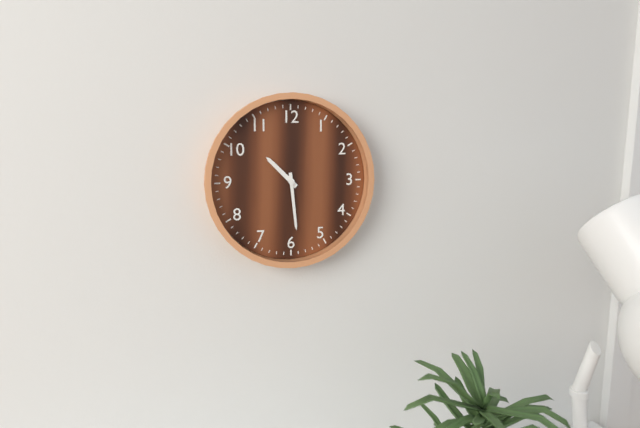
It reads 10:29
